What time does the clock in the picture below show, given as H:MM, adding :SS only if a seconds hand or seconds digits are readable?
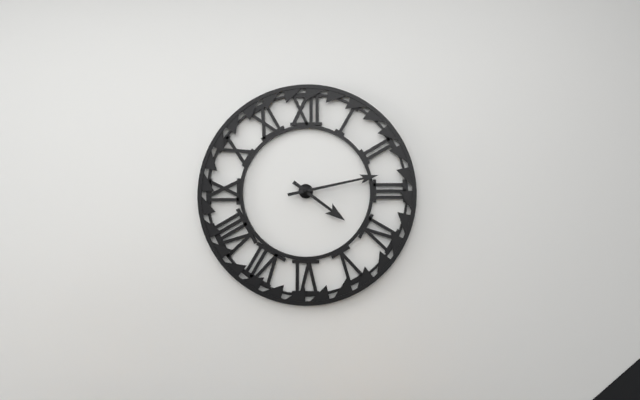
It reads 4:13
